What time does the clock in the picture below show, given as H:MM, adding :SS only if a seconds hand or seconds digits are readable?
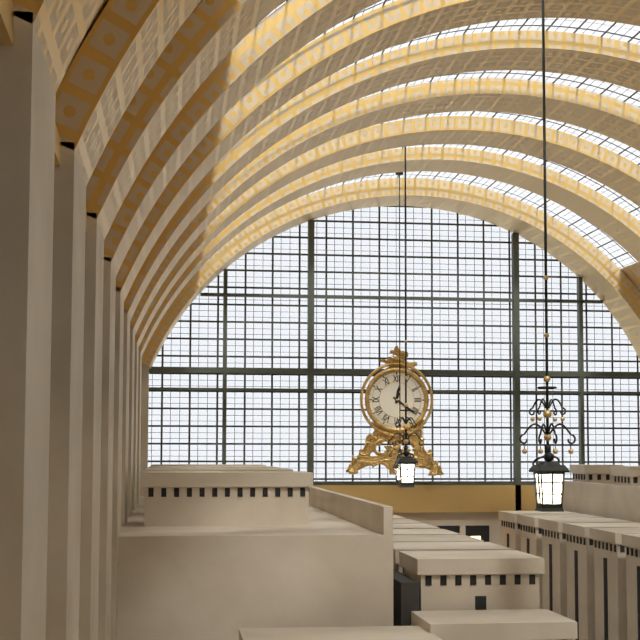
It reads 12:21
